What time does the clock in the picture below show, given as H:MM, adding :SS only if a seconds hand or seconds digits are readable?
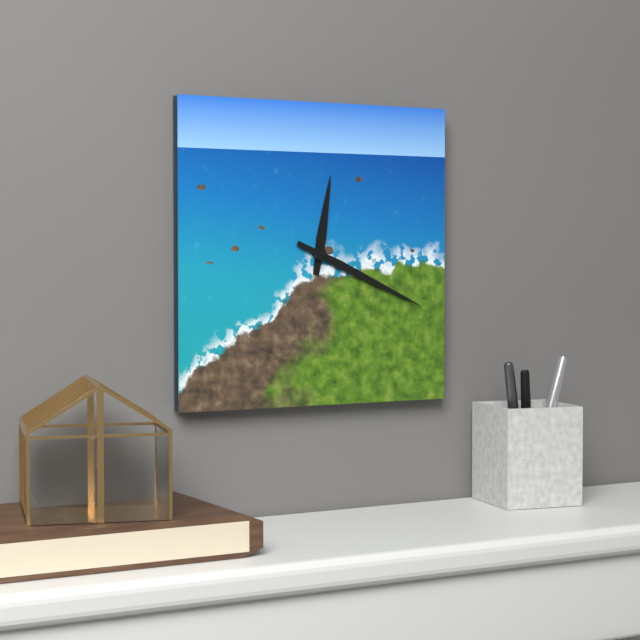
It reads 12:19
